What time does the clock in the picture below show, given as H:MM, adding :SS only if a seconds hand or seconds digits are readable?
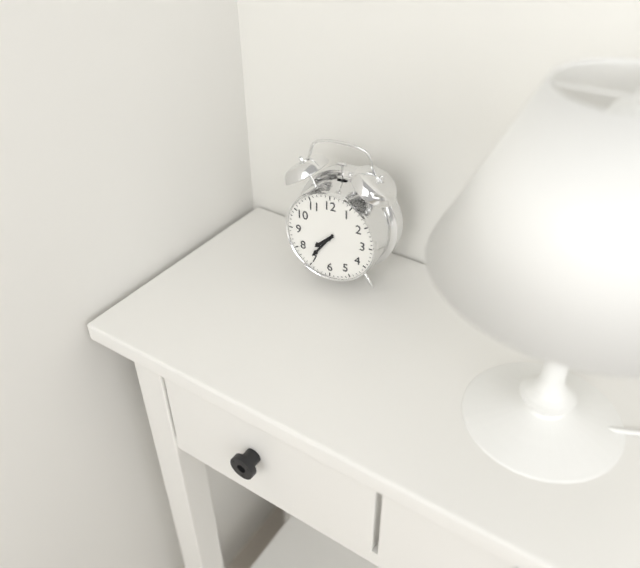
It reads 7:36
